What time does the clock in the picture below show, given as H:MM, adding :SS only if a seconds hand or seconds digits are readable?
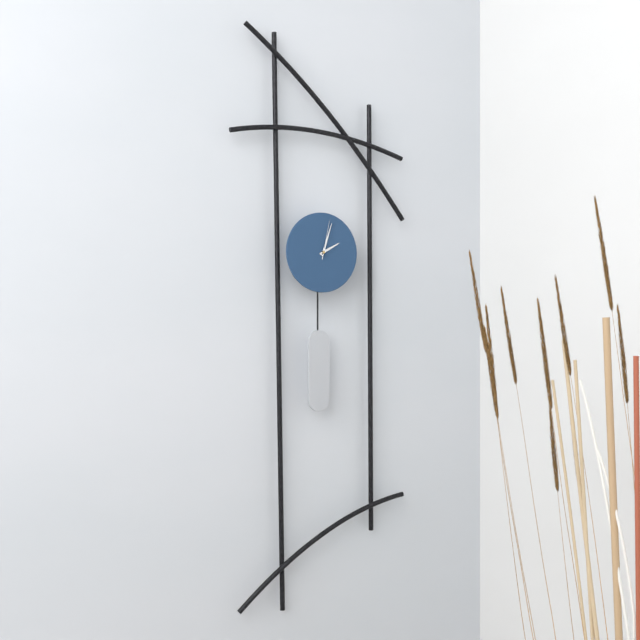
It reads 2:03
